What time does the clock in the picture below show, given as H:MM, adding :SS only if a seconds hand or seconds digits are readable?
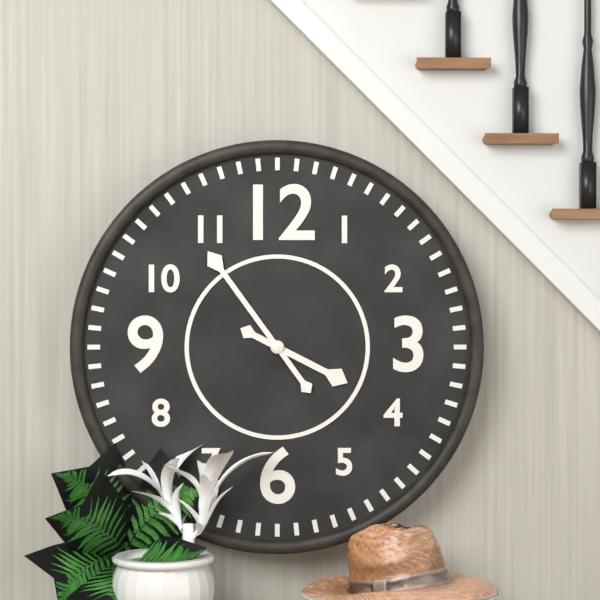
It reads 3:54
